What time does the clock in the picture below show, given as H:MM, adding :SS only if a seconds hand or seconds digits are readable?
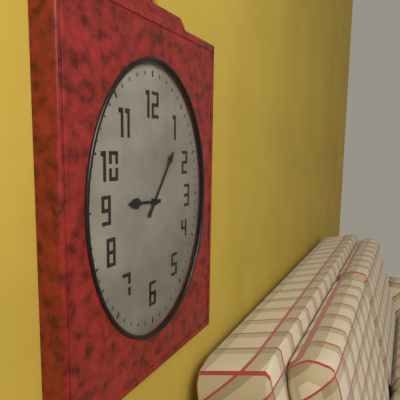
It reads 9:06
